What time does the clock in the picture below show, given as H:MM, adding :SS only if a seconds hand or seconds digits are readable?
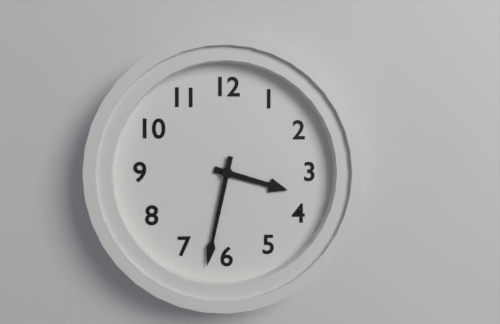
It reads 3:32
